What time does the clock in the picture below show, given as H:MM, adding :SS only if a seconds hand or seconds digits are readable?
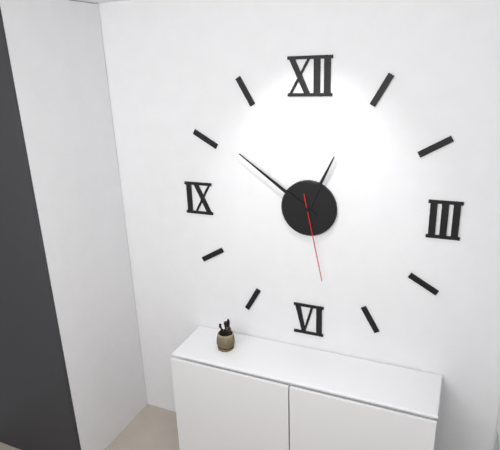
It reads 12:51:28
